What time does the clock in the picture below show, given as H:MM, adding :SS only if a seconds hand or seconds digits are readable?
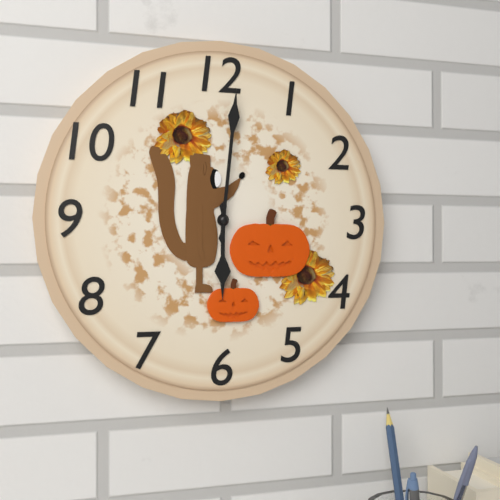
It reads 6:01
